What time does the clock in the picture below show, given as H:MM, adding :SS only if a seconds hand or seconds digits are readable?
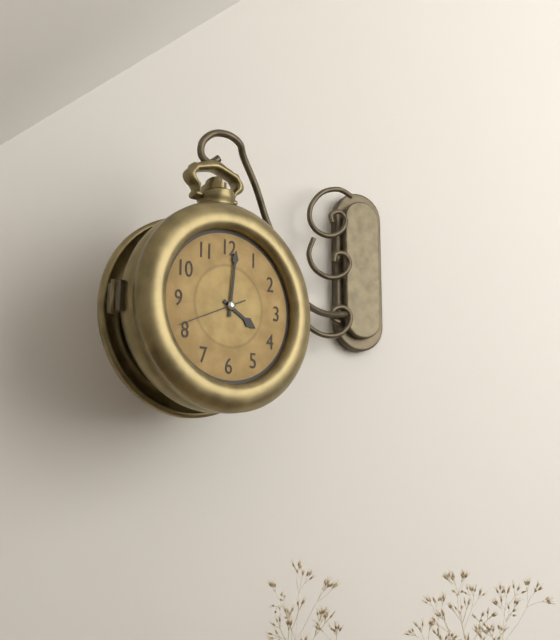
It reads 4:01:41
